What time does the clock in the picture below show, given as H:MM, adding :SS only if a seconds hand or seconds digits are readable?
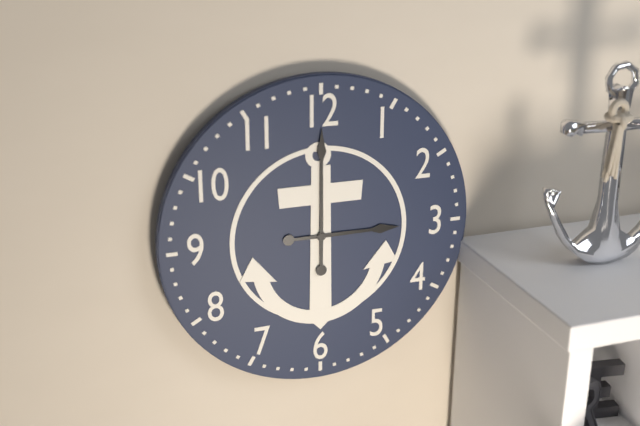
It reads 3:00
